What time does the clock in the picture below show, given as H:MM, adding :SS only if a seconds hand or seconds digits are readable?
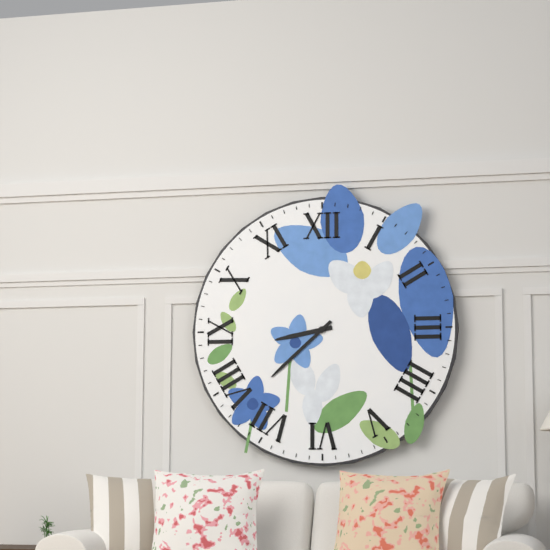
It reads 8:38
